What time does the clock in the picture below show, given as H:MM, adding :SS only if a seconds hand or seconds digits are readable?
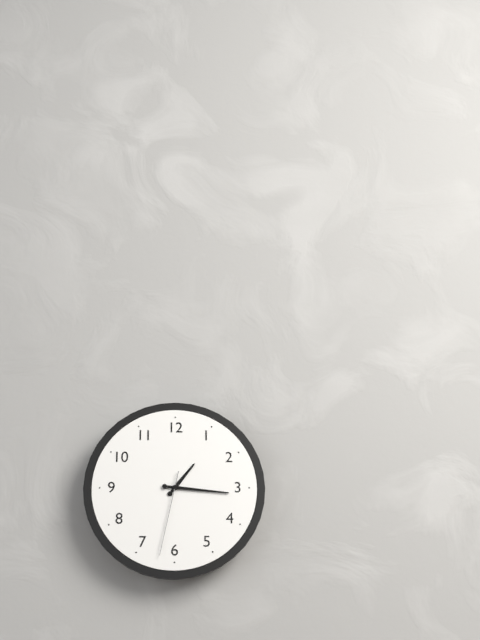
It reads 1:16:32
